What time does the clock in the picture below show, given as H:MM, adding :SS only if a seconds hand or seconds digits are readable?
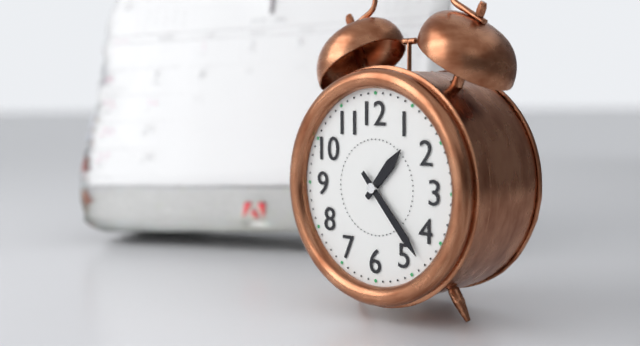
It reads 1:23
